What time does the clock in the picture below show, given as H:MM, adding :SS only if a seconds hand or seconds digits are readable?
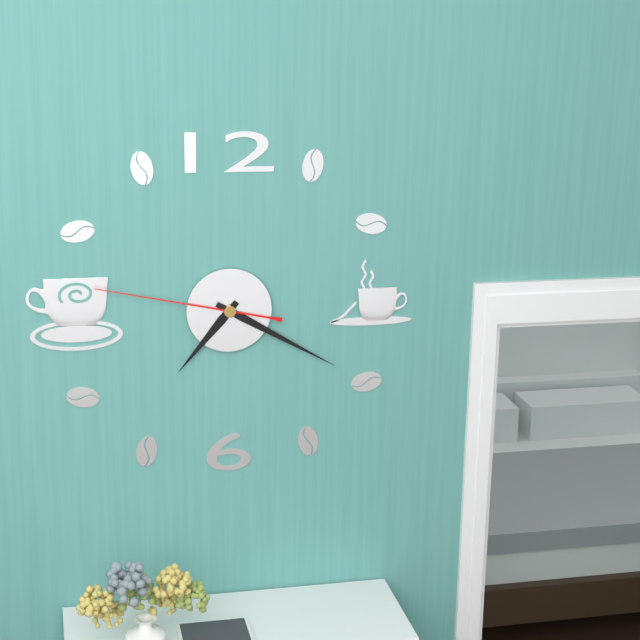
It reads 7:20:47
